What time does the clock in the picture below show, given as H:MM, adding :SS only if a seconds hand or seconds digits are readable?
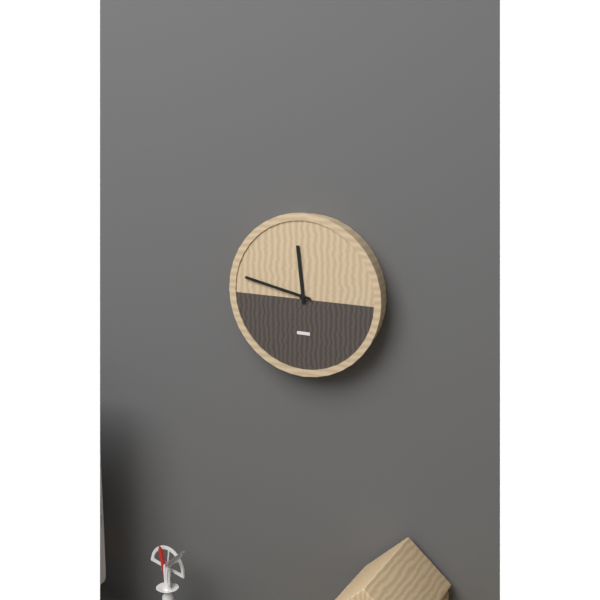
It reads 11:47
